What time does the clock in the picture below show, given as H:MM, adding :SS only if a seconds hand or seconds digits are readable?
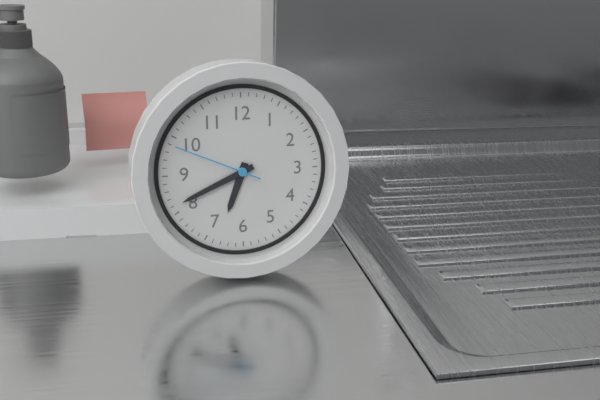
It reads 6:41:49
